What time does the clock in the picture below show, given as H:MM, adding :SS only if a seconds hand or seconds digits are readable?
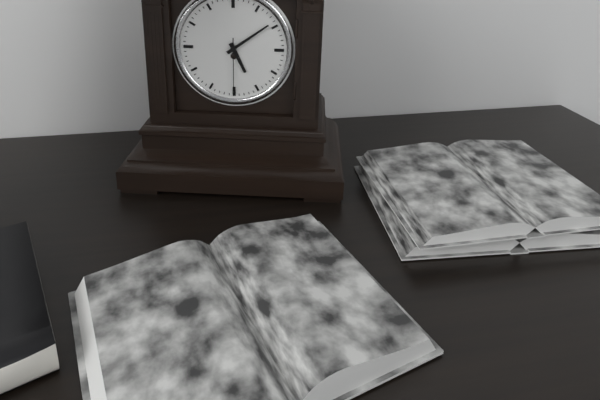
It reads 5:09:30
